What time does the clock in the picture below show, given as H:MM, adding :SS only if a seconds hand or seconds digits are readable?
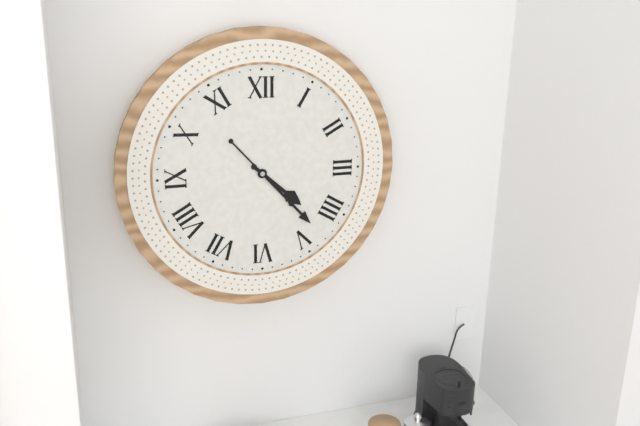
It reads 4:23
